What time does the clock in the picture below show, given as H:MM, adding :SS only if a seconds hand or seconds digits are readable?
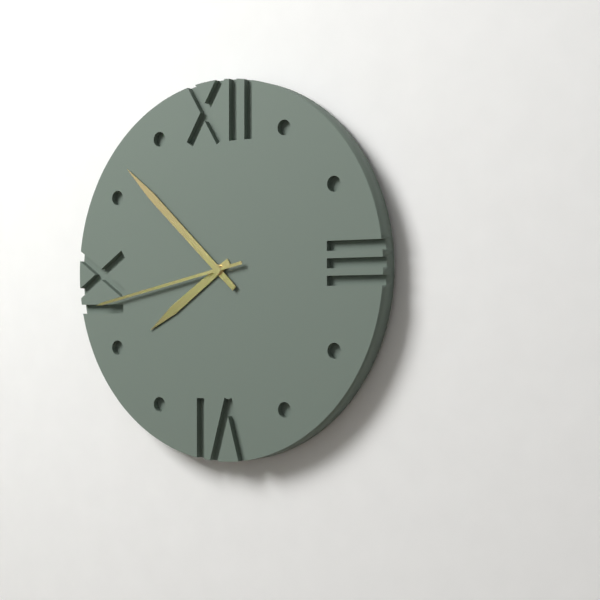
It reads 7:52:43
